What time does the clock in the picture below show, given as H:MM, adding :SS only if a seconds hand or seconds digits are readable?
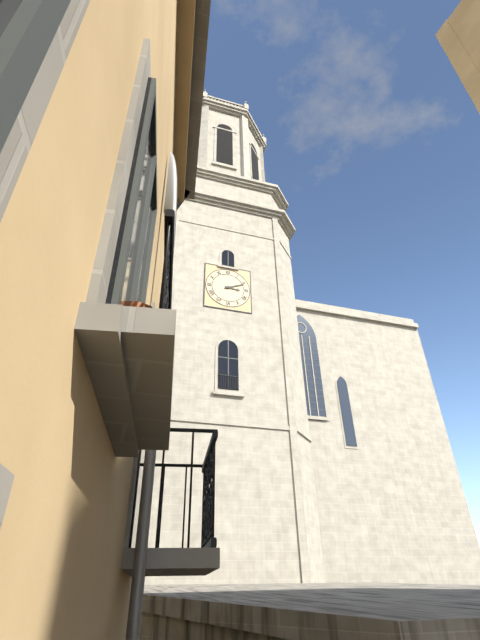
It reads 3:11
